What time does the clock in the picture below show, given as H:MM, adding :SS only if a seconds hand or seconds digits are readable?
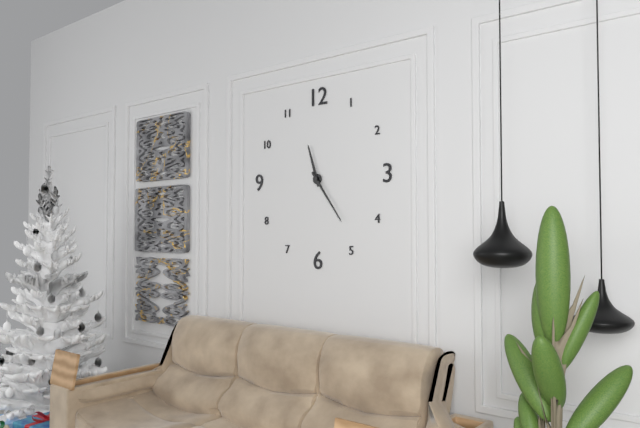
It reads 11:24
